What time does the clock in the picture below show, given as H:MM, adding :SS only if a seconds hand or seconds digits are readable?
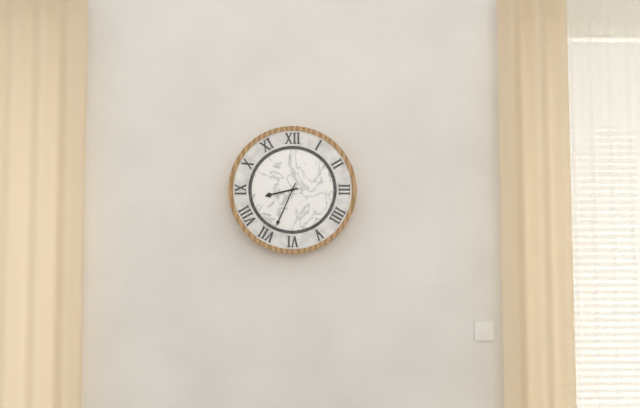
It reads 8:34
